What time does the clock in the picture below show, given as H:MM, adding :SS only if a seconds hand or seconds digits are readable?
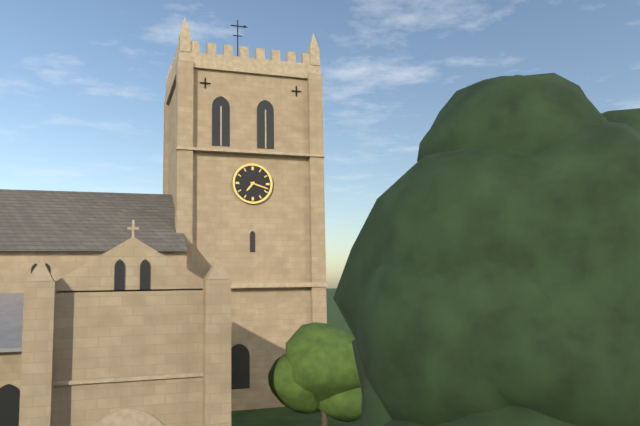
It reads 7:18
